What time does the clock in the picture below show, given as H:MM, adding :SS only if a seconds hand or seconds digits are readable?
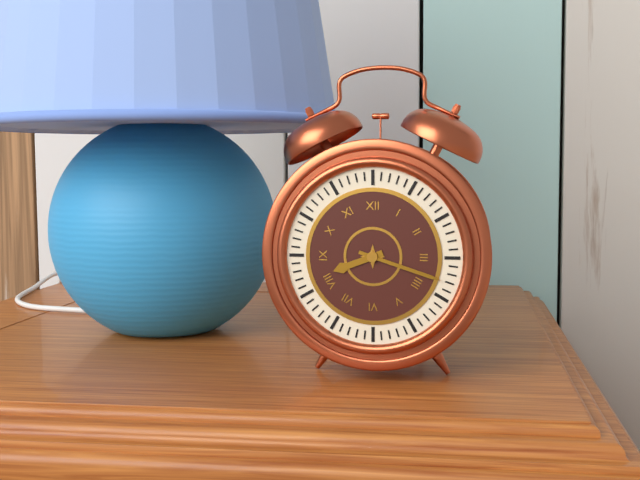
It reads 8:18
